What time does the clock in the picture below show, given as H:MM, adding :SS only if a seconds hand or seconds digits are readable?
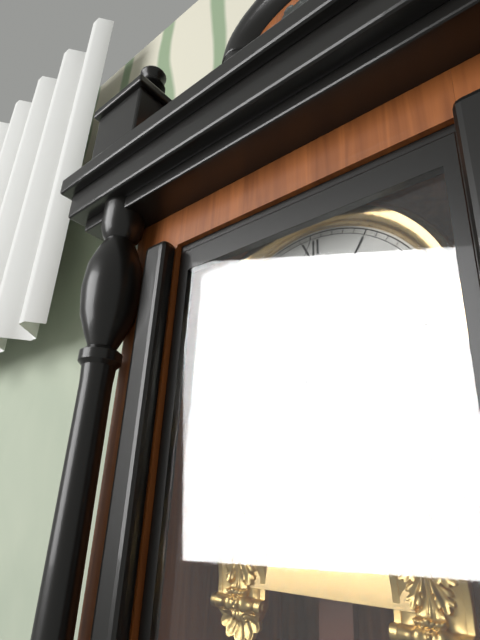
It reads 4:31
